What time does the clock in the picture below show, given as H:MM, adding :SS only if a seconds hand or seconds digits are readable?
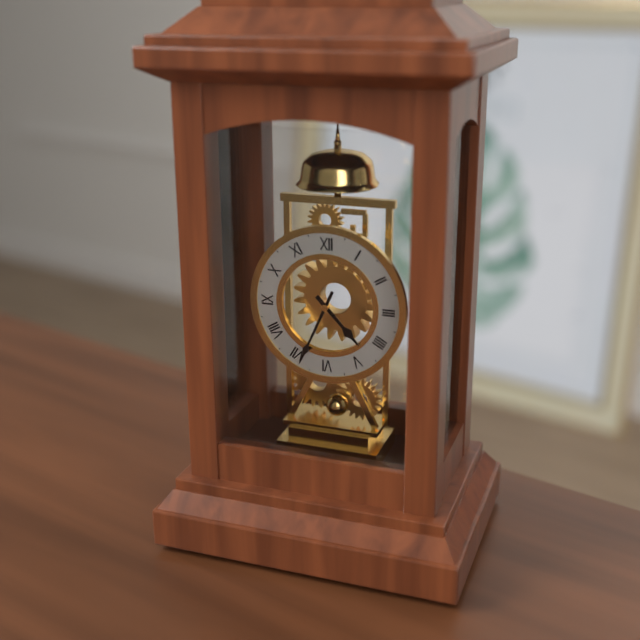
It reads 4:34
